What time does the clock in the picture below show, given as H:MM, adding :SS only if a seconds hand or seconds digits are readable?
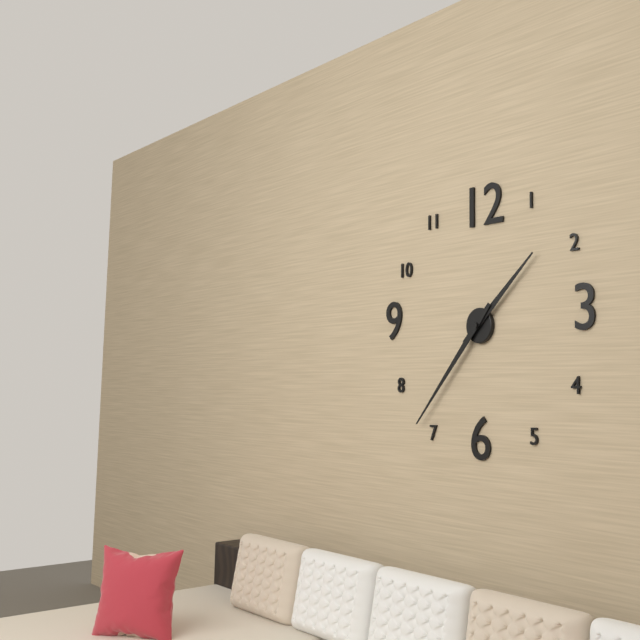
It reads 1:37
